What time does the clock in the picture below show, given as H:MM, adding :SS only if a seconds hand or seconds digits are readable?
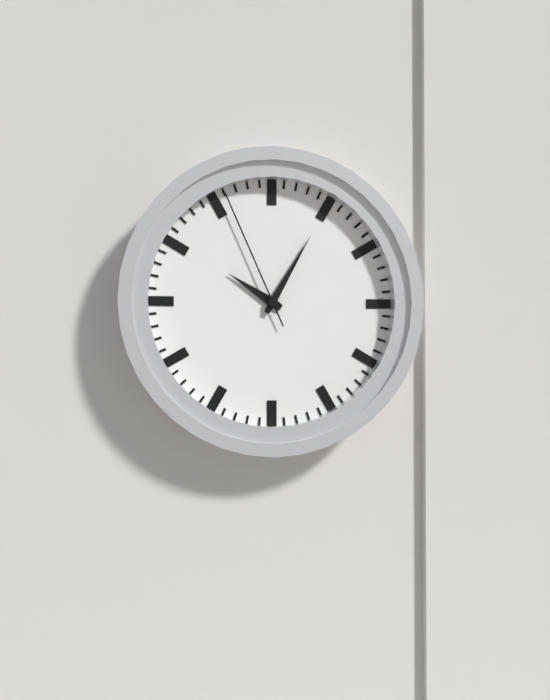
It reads 10:05:56
